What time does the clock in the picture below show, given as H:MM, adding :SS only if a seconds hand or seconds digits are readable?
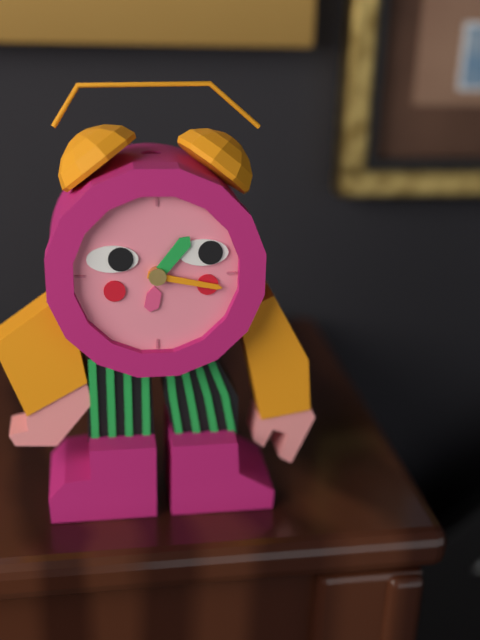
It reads 1:17
